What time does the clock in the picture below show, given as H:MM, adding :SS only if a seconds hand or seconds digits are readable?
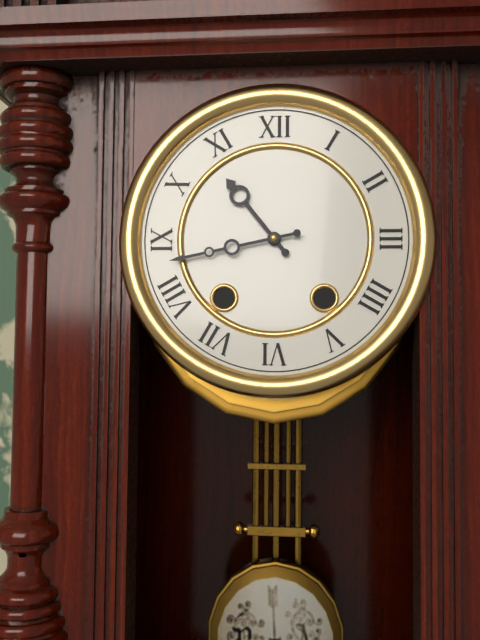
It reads 10:43
